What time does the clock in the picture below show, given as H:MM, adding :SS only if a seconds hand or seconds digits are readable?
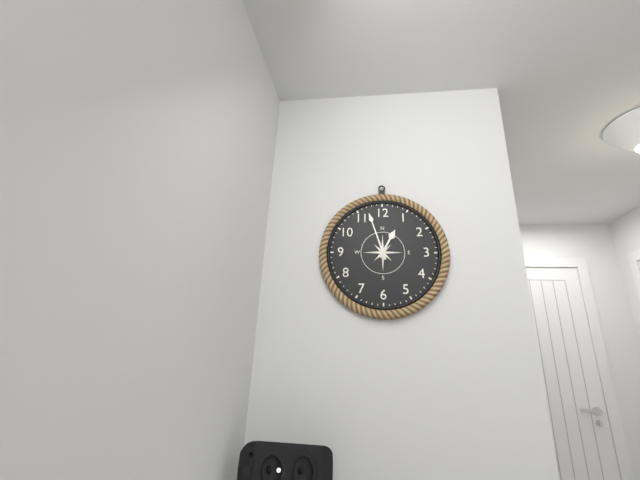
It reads 12:57
